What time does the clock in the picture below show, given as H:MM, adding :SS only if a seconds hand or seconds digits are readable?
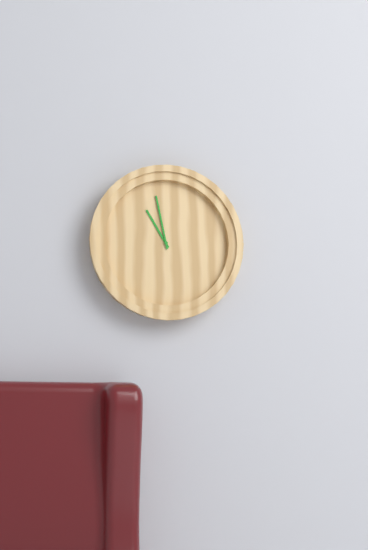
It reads 10:58
